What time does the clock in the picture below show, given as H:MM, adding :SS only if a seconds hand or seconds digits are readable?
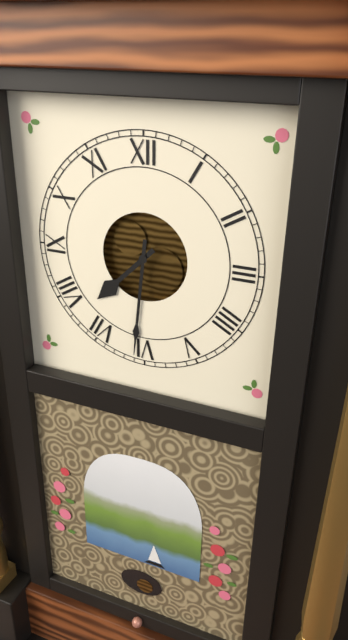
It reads 7:31
